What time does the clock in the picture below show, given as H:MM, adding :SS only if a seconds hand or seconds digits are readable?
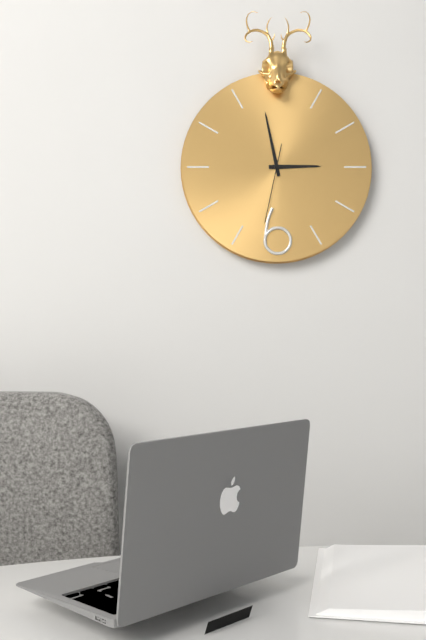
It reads 2:58:32
